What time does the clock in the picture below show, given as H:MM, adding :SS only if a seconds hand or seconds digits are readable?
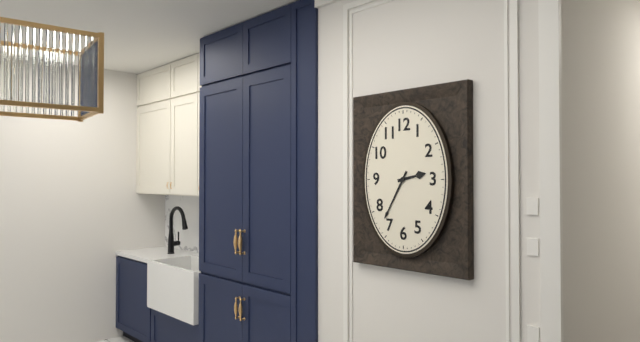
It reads 2:35
